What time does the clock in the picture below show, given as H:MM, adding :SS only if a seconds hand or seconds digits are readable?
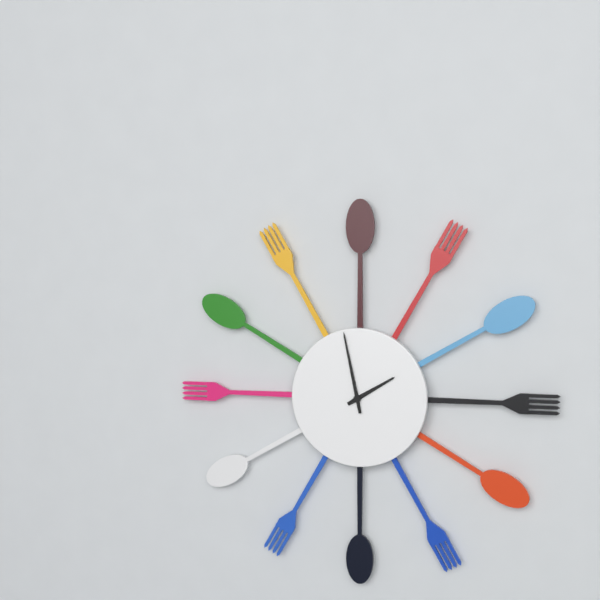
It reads 1:58
